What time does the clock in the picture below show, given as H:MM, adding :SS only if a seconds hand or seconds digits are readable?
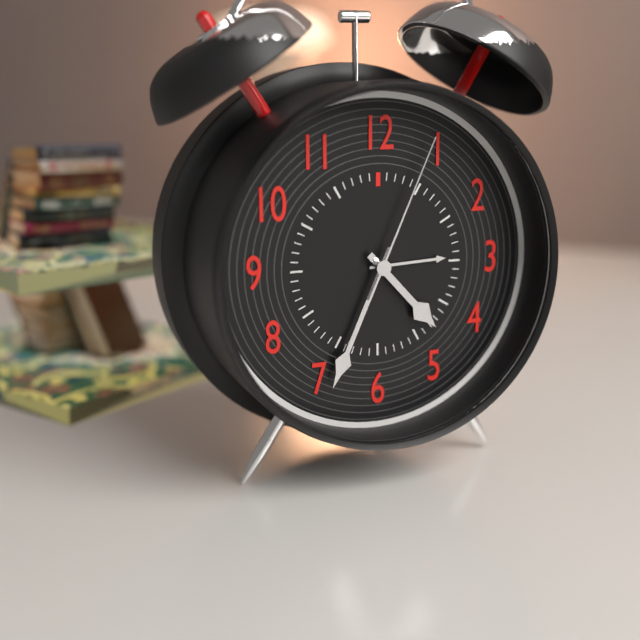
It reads 4:34:04
